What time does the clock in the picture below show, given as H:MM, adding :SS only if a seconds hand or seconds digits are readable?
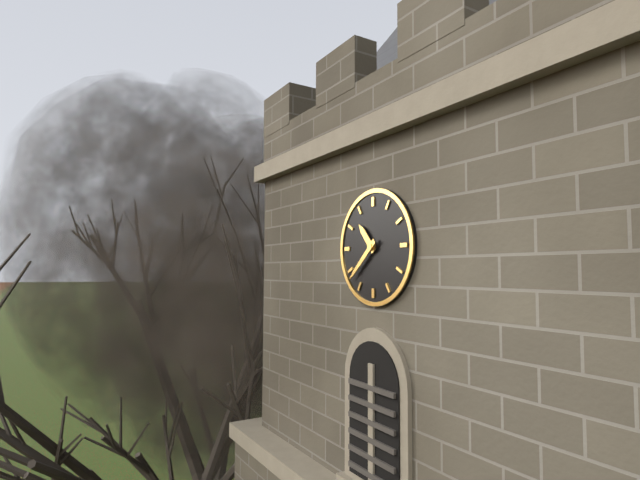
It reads 10:38
